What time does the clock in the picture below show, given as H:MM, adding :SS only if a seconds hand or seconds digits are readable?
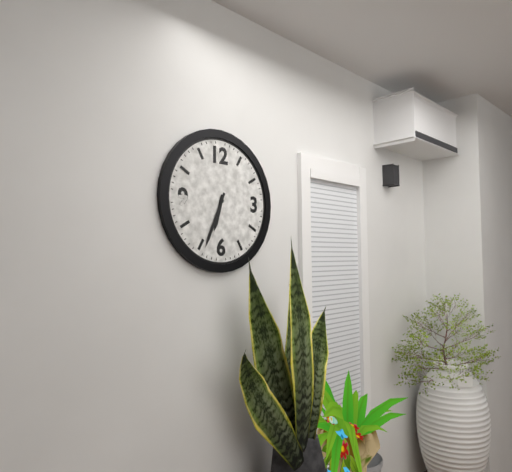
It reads 6:34
